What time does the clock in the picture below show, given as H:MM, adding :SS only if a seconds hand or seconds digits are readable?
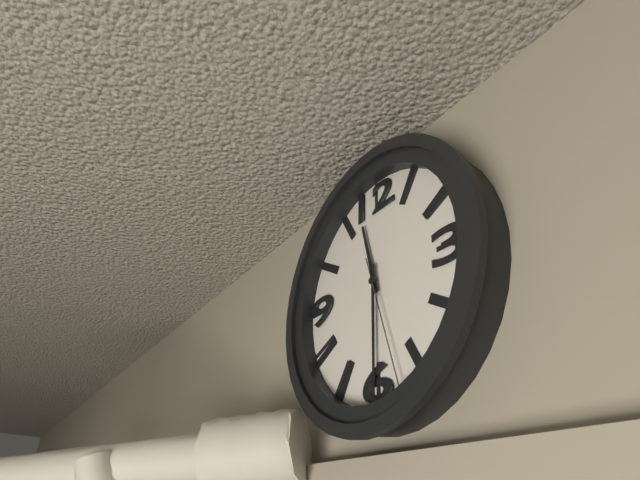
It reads 11:30:27
